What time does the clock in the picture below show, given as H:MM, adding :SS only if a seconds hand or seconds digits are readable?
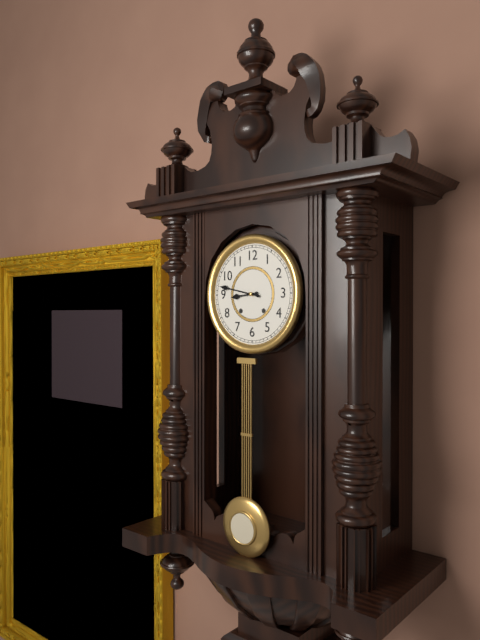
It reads 8:47
